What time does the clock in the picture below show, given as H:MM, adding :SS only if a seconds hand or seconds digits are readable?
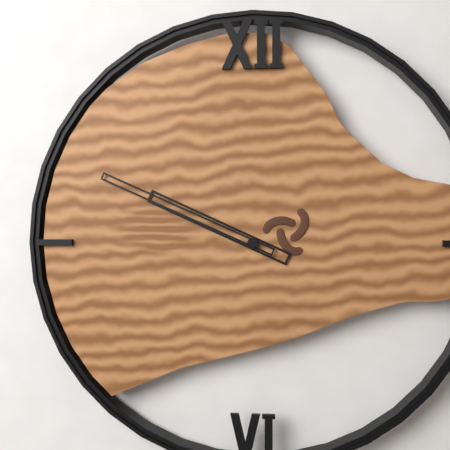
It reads 9:49
